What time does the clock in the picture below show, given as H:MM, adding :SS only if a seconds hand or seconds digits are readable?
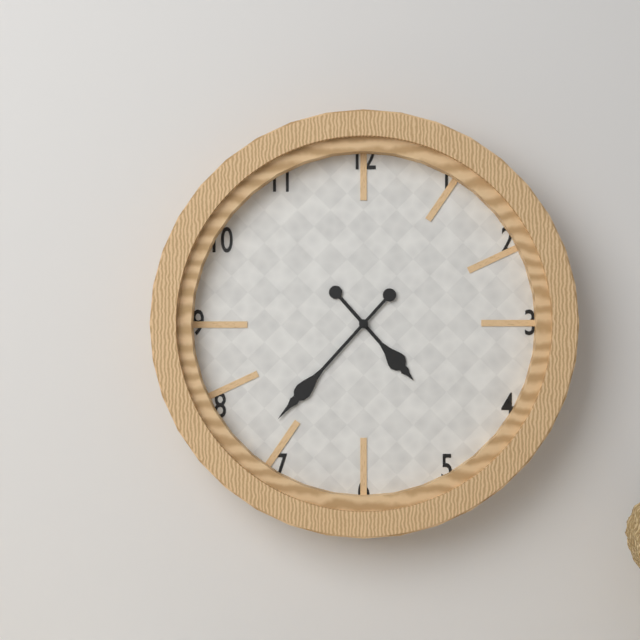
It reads 4:37
